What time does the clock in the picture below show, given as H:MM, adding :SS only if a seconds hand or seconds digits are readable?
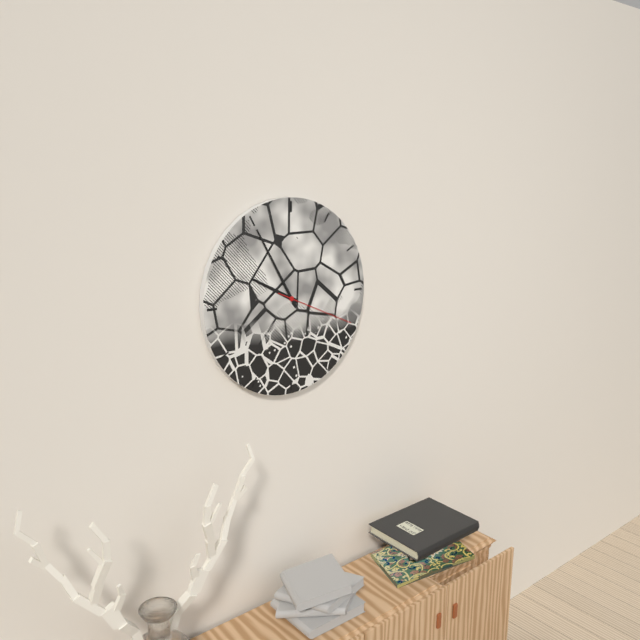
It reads 9:55:19
